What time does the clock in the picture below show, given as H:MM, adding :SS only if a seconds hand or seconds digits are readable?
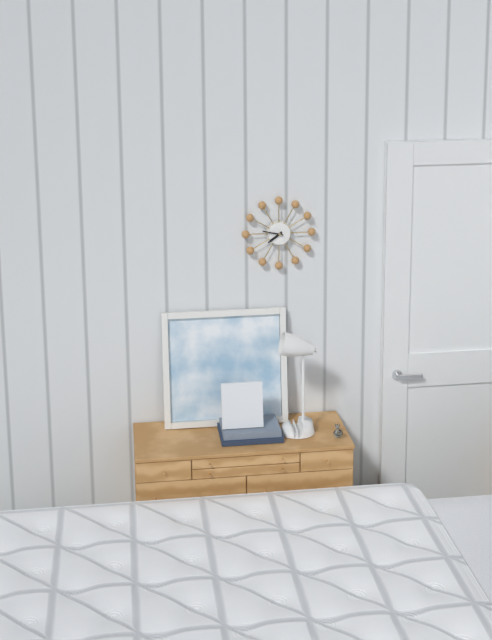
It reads 7:47
